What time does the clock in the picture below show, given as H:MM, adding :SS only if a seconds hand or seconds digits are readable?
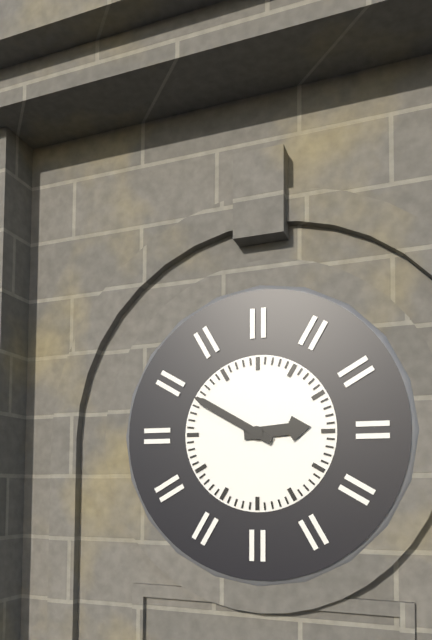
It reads 2:50
